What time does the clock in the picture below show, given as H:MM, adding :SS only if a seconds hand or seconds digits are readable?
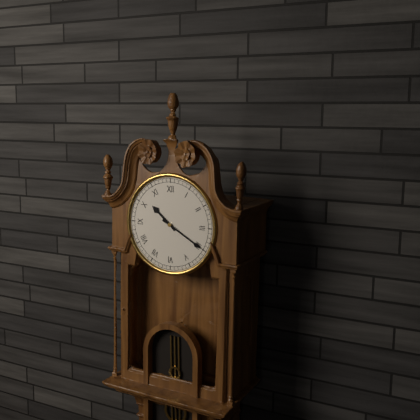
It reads 10:20
